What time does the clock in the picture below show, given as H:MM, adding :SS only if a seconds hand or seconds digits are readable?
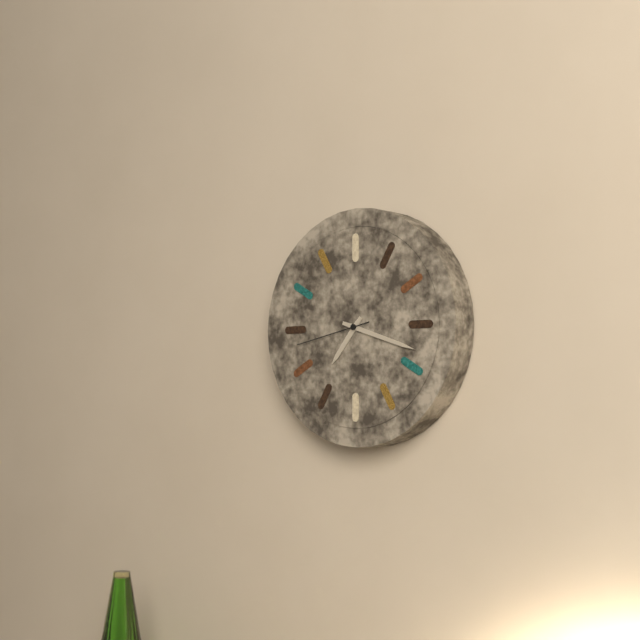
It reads 7:18:43
